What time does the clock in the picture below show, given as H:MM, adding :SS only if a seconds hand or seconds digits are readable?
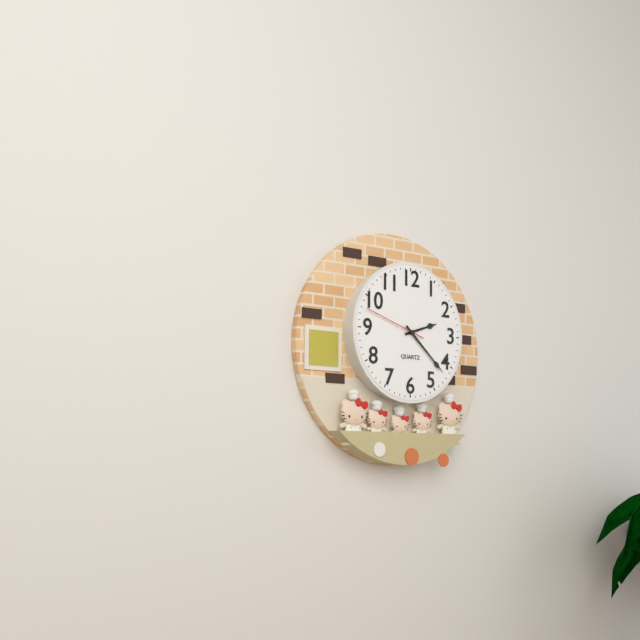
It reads 2:22:48
